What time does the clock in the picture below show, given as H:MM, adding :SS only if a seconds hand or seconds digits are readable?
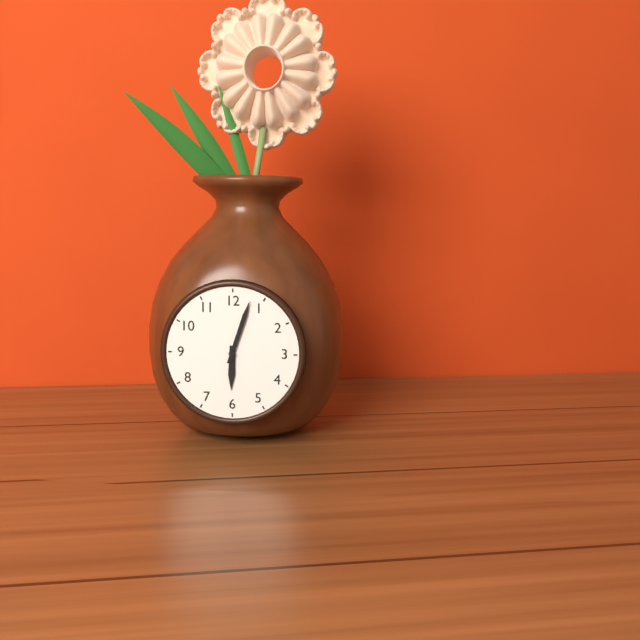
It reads 6:03
